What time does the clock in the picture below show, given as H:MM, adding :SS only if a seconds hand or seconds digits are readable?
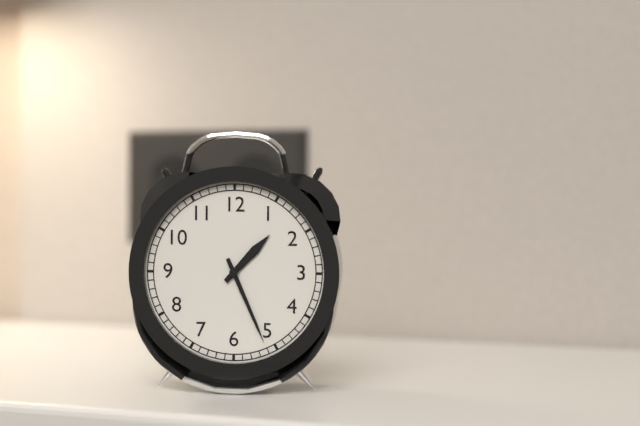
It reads 1:26
